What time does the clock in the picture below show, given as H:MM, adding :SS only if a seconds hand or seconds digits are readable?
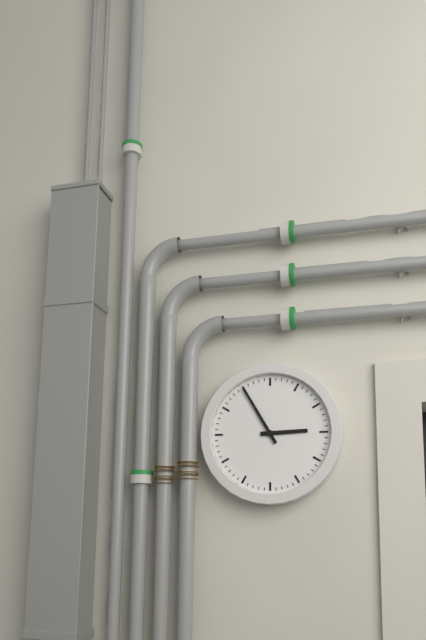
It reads 2:55
